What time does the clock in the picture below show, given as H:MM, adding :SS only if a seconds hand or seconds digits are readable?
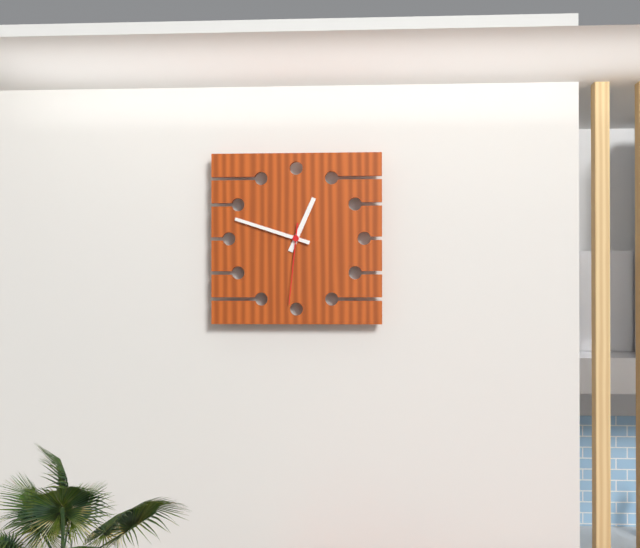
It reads 12:48:31
